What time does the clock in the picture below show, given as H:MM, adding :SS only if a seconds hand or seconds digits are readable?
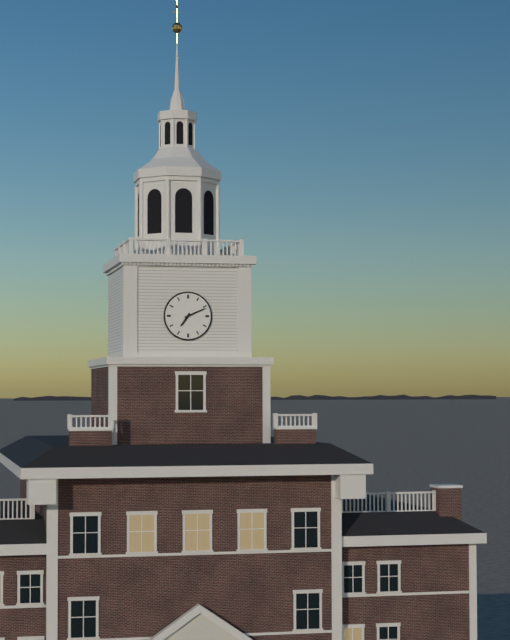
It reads 7:11
